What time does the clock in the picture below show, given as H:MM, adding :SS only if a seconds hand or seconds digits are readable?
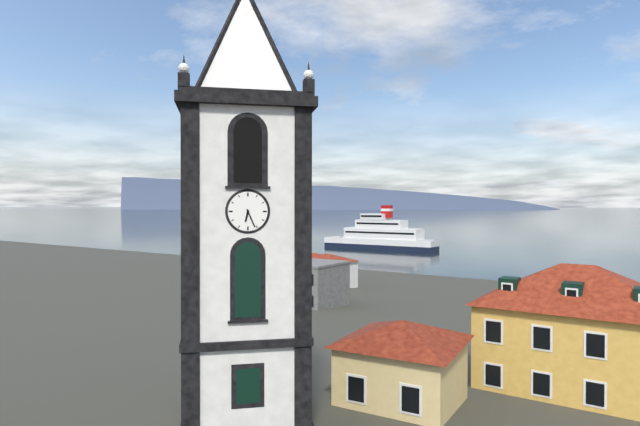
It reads 6:26
